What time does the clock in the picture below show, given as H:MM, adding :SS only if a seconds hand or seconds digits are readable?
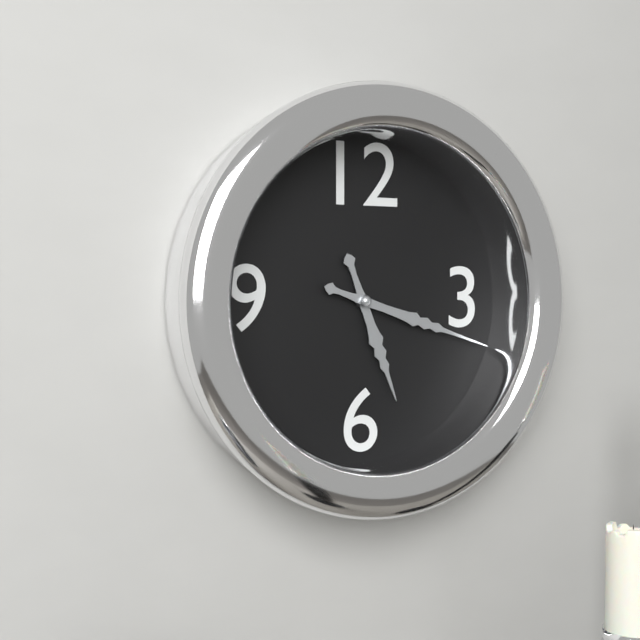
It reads 5:18
